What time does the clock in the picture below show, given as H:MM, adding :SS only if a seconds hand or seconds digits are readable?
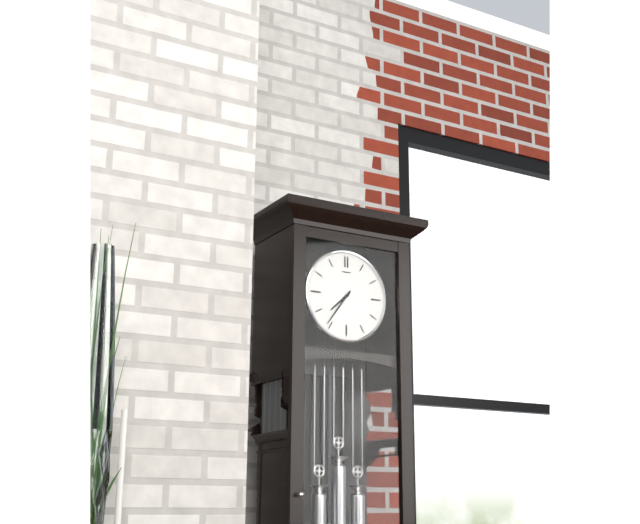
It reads 7:36
